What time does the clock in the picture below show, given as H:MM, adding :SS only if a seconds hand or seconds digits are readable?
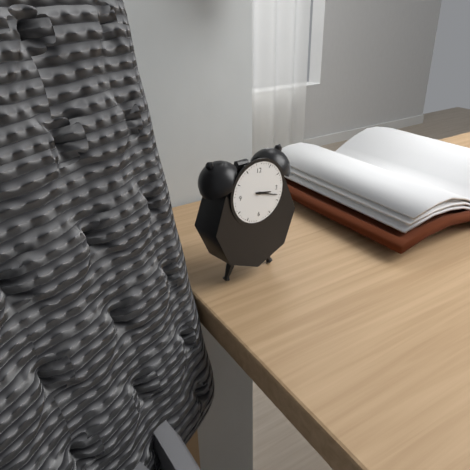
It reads 3:18
